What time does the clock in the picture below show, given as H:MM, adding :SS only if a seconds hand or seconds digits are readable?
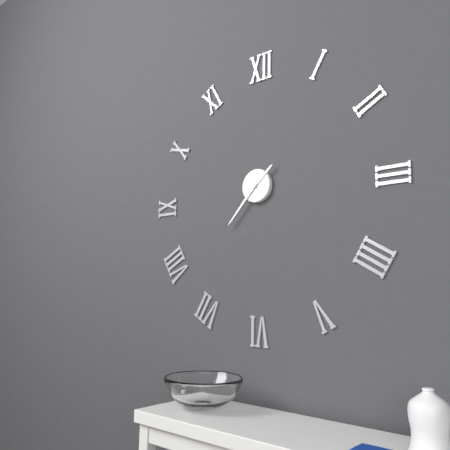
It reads 1:37
